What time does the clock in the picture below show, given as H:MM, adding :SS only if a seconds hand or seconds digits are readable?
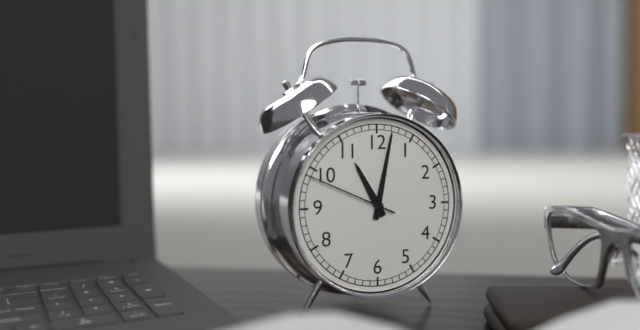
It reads 11:02:49
